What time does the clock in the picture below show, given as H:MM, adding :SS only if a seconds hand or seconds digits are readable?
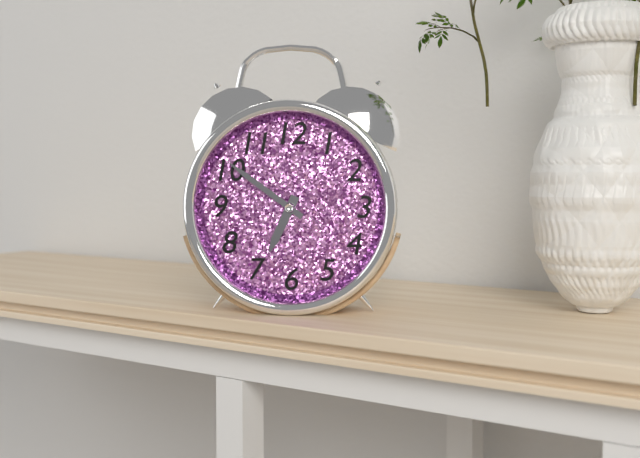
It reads 6:51
